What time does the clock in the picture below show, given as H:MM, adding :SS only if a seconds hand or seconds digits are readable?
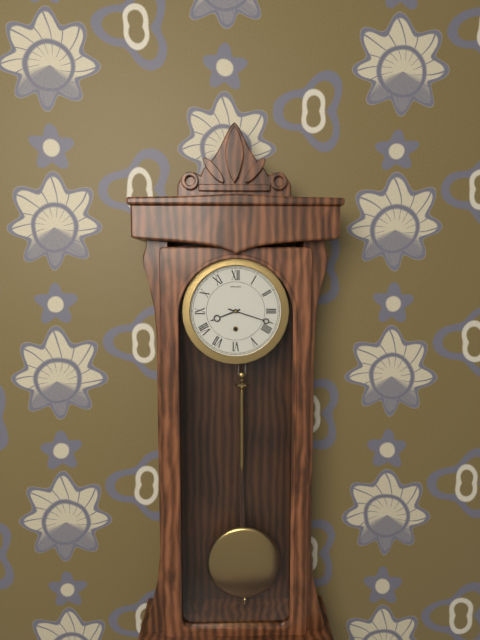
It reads 8:18
